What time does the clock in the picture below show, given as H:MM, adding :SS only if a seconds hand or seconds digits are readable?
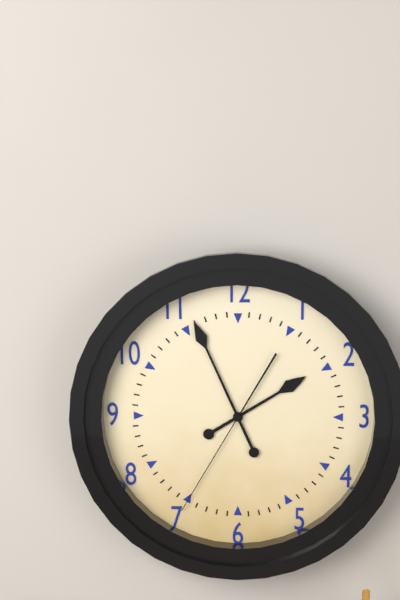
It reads 1:56:35
